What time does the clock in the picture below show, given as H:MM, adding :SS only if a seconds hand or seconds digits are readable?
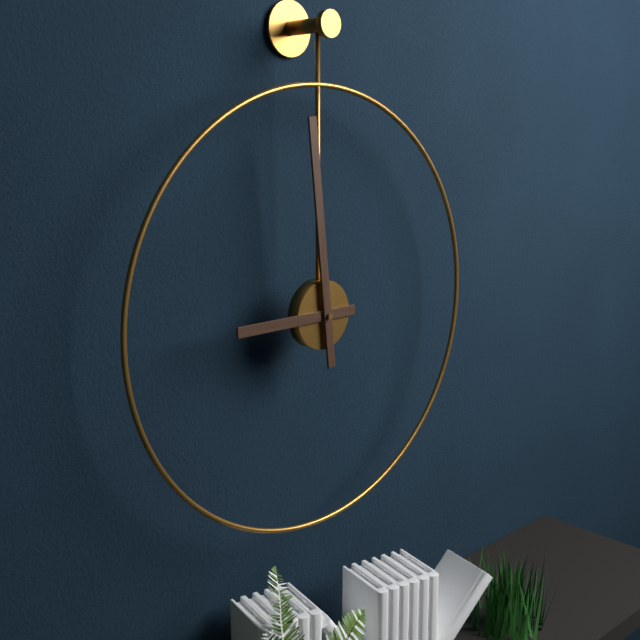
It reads 8:59
